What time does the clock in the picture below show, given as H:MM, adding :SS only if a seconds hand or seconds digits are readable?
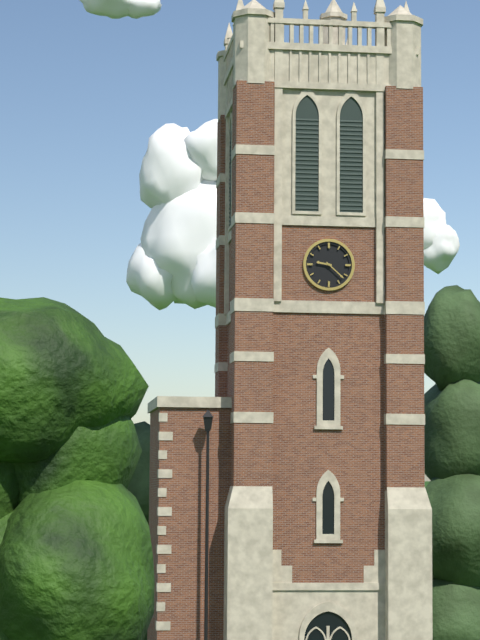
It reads 9:22
